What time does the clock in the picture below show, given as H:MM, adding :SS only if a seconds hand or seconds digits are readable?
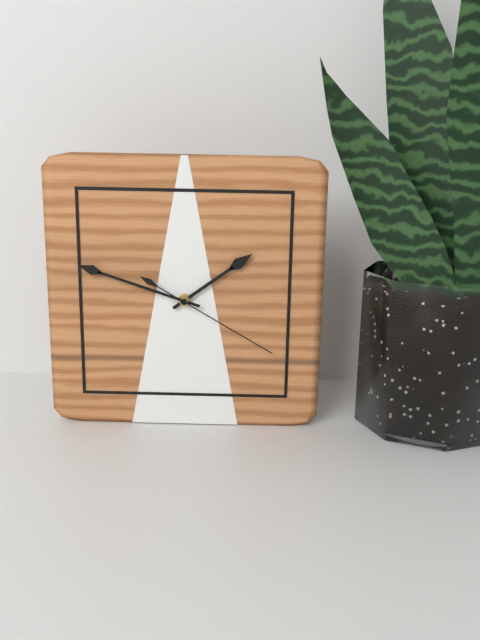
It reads 1:48:20
